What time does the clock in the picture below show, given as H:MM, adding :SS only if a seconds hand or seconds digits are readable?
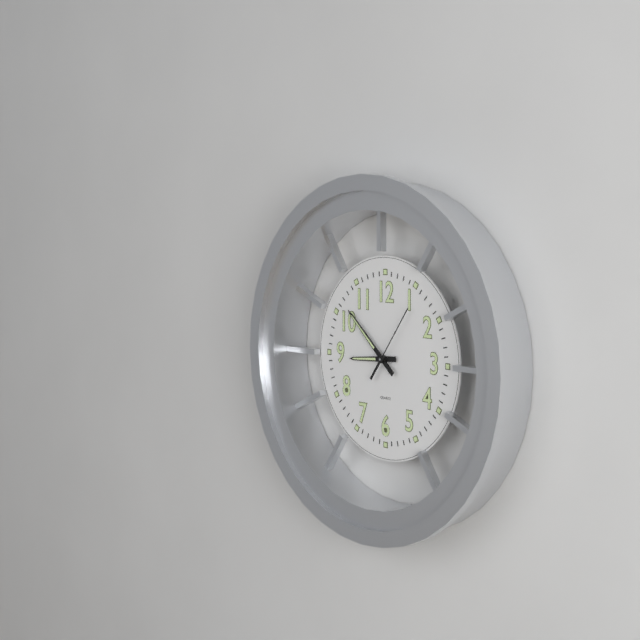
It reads 8:52:06
